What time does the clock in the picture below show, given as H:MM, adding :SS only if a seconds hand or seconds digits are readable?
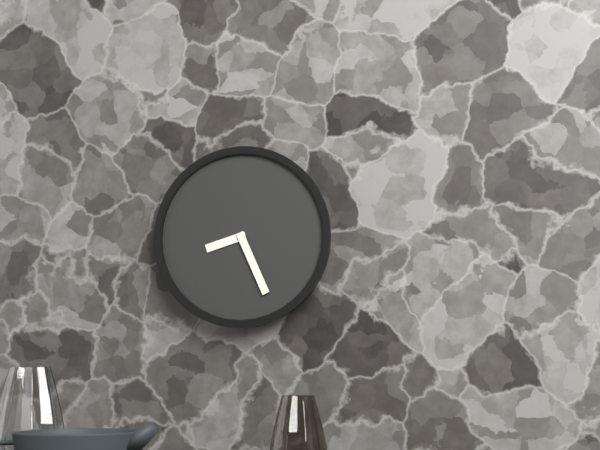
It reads 8:26
